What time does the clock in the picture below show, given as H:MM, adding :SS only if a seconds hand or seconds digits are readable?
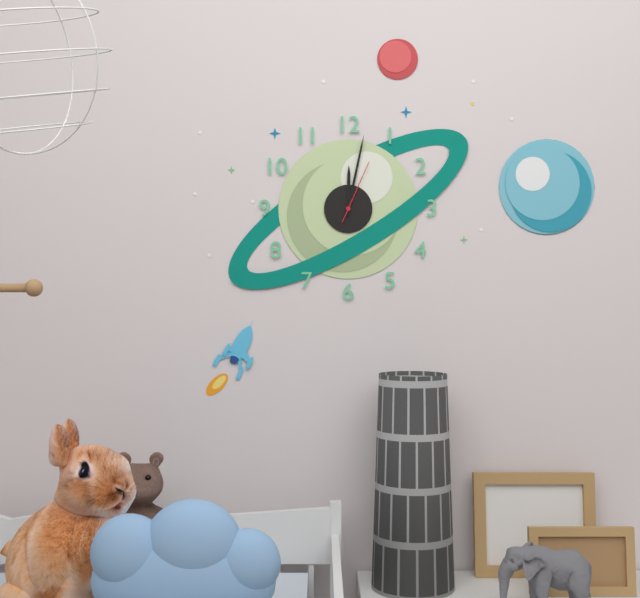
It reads 12:02:04
